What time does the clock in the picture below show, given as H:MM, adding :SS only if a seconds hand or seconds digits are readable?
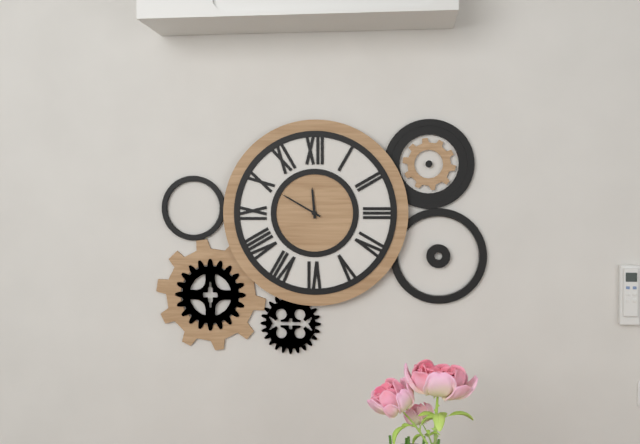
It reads 11:50
